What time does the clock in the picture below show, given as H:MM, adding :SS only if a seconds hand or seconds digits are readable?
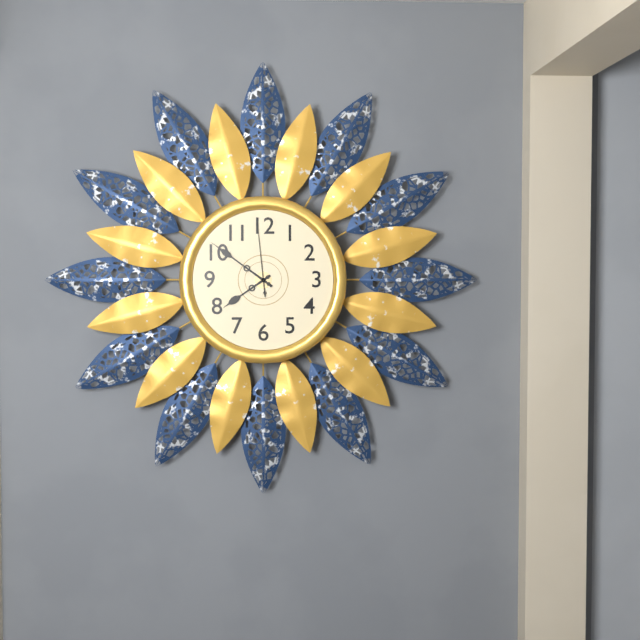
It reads 7:51:59
